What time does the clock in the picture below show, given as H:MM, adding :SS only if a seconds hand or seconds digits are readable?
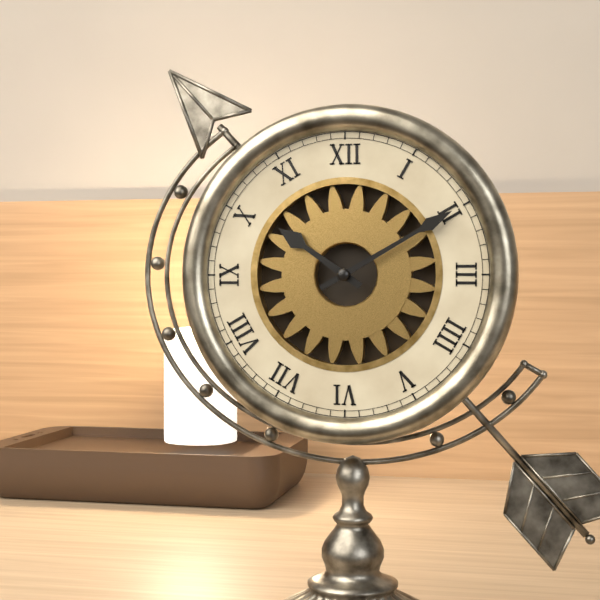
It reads 10:10
